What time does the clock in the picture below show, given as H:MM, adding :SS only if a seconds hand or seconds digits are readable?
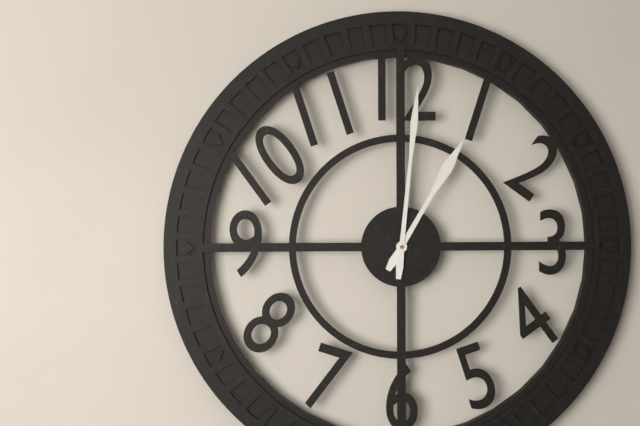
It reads 1:01
